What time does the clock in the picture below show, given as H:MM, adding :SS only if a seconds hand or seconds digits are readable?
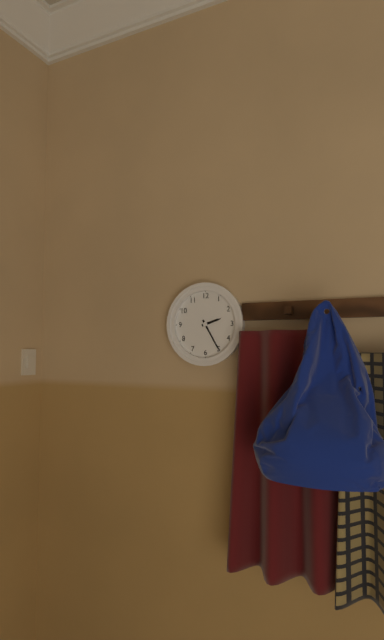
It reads 2:25
